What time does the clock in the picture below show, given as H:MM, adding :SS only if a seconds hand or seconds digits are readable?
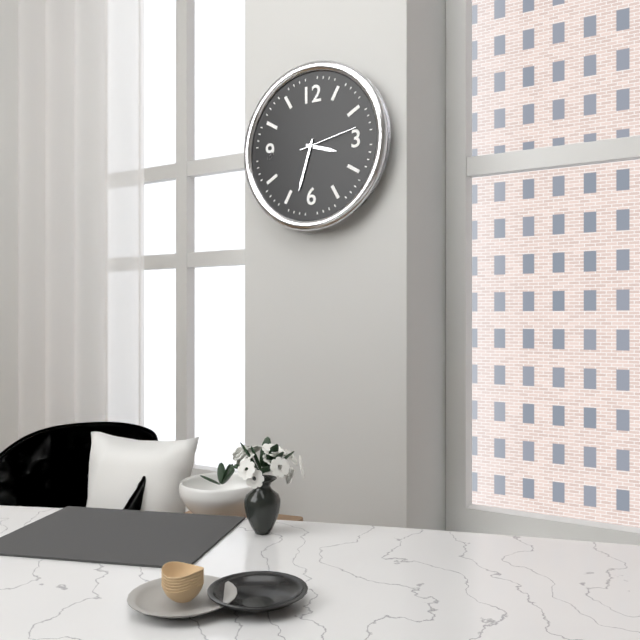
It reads 3:33:13
